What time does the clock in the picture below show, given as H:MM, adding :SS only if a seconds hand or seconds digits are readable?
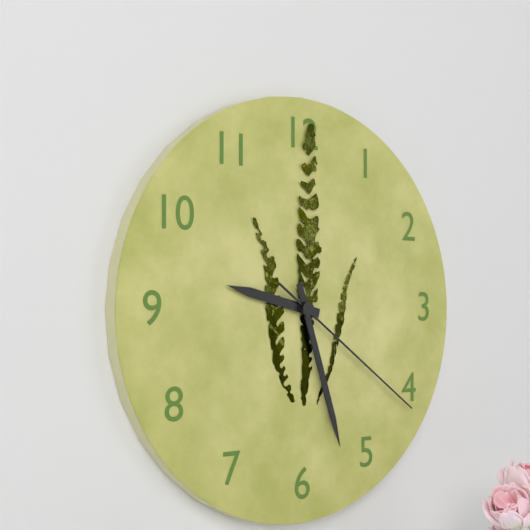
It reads 9:27:21
